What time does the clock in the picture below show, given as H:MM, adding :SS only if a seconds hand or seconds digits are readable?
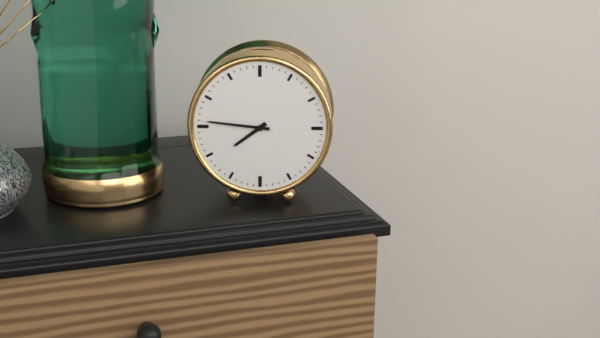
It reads 7:46
